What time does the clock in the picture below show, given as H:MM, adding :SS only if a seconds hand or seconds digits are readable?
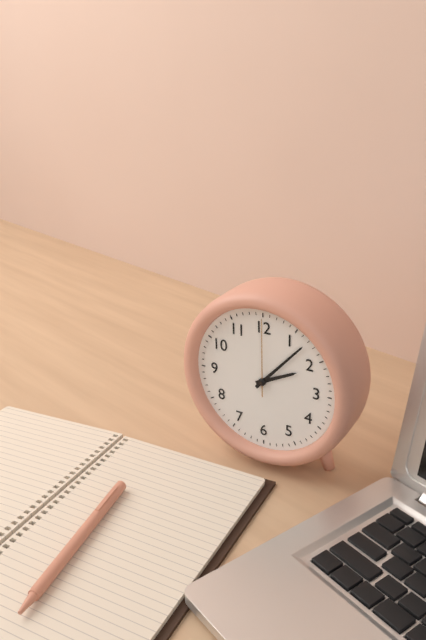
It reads 2:07:00
